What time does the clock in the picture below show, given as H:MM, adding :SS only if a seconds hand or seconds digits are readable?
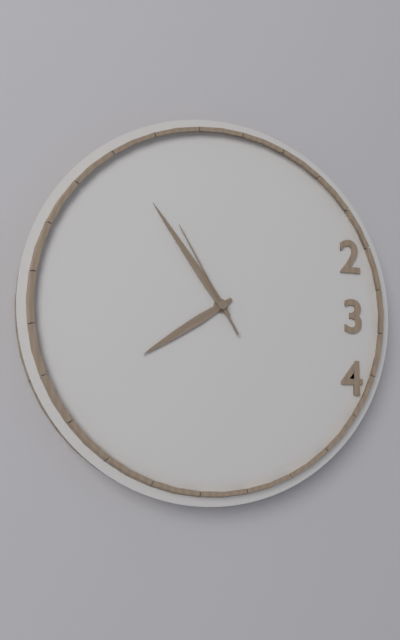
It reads 7:54:55
